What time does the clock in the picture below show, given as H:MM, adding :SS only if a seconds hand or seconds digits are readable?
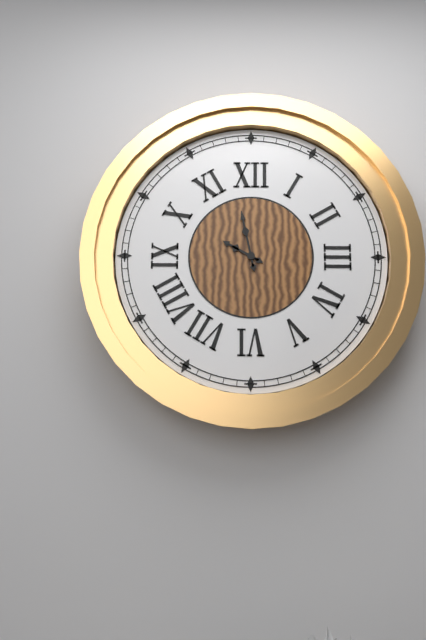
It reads 9:58
